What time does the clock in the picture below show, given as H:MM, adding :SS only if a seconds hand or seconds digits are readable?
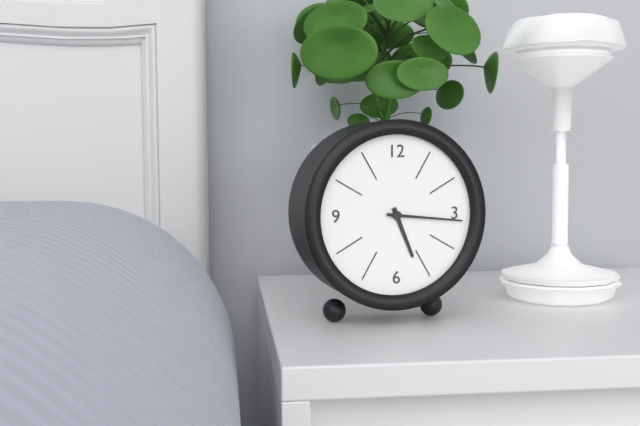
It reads 5:16
